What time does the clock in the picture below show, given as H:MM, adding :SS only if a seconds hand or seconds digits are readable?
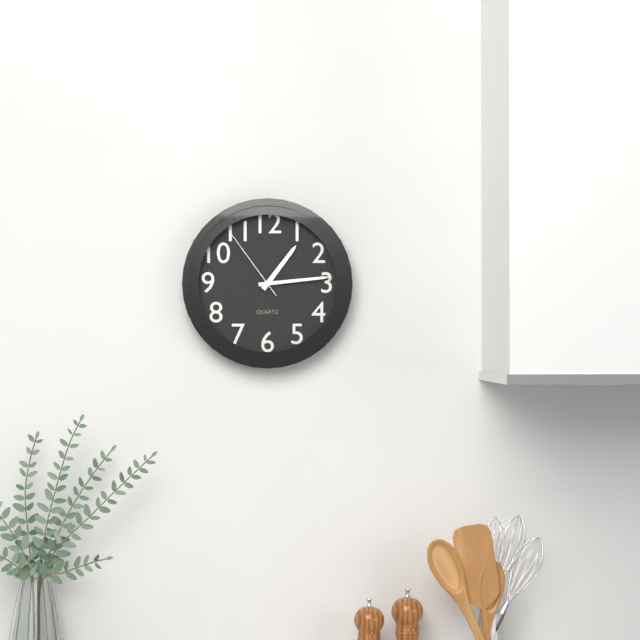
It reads 1:14:54
